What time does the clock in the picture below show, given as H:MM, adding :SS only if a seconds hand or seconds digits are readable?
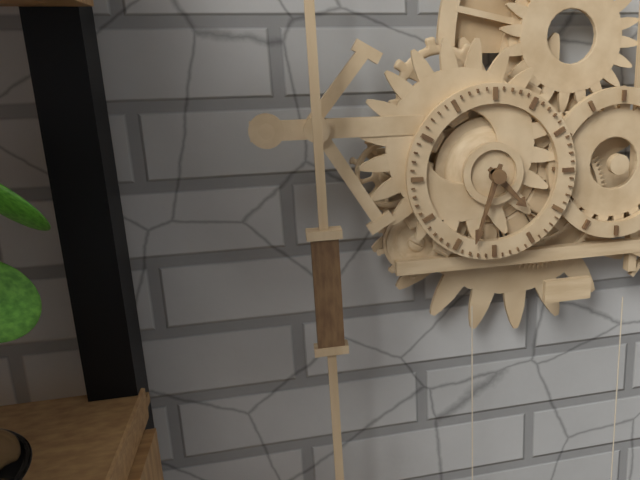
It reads 4:33
